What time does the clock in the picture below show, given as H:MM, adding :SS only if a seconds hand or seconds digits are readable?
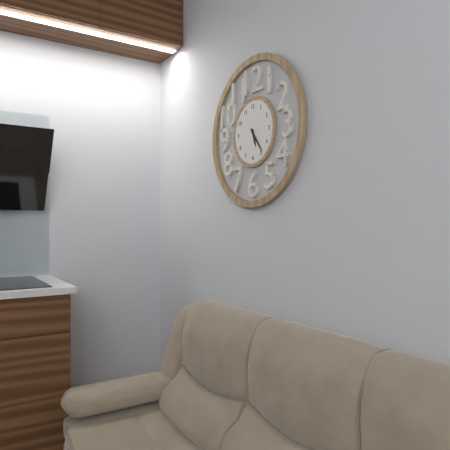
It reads 5:24
